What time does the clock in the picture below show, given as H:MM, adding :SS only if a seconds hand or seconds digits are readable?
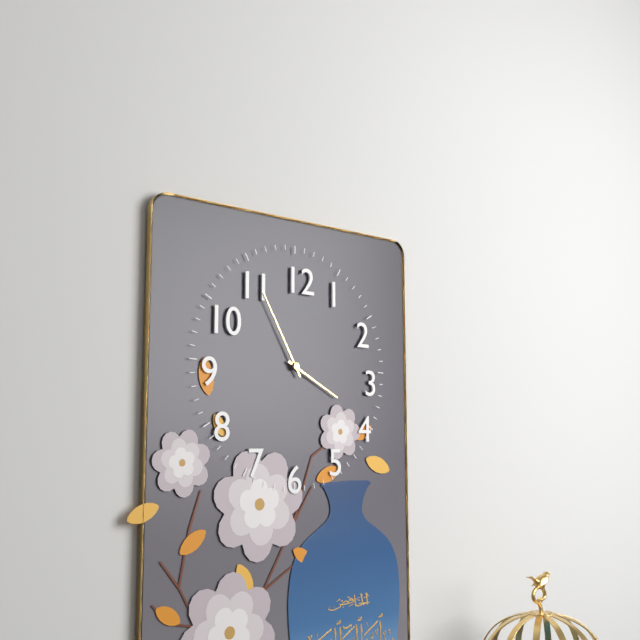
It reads 3:55
